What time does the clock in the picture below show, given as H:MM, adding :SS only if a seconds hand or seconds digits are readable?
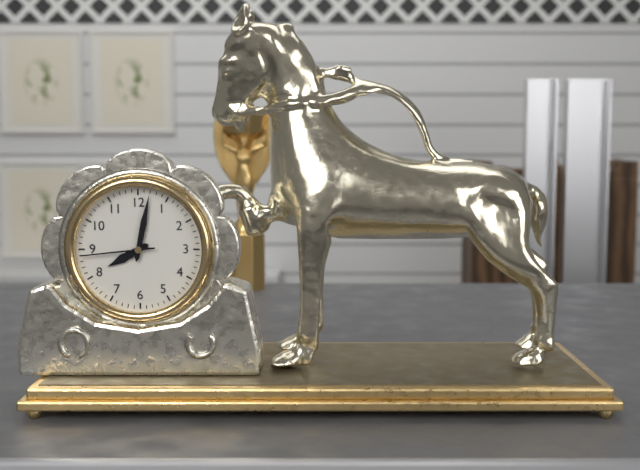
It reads 8:02:44
